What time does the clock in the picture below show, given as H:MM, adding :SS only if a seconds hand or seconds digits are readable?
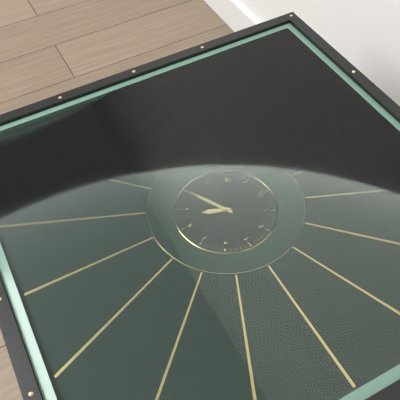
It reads 6:40
